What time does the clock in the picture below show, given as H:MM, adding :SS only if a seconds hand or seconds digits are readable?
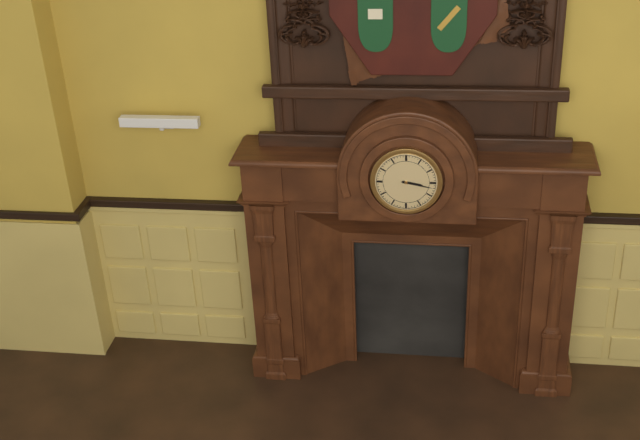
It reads 3:17
